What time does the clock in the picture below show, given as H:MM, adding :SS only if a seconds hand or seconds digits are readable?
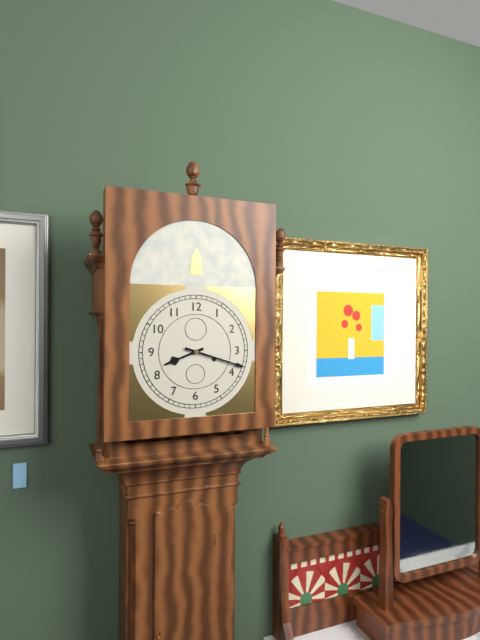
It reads 8:18
